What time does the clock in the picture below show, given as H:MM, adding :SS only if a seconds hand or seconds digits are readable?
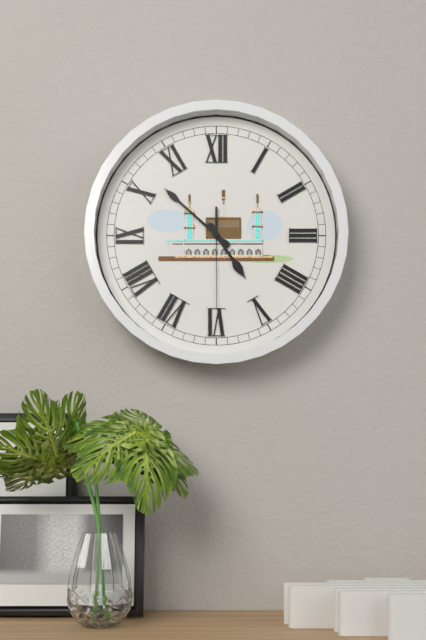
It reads 4:52:30
